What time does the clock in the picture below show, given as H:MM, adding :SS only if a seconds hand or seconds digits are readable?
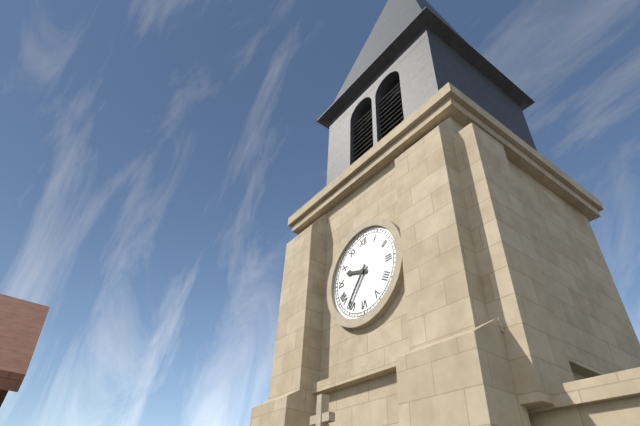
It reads 9:36
